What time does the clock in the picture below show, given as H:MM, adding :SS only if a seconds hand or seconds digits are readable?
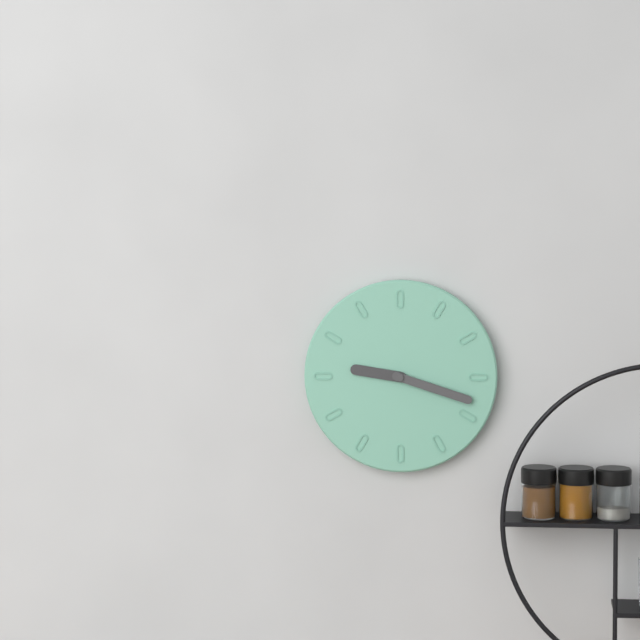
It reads 9:18
